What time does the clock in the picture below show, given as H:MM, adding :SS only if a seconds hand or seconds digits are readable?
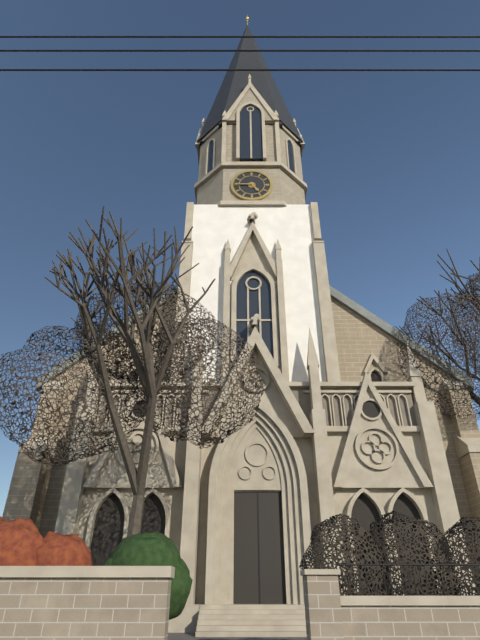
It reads 4:45
